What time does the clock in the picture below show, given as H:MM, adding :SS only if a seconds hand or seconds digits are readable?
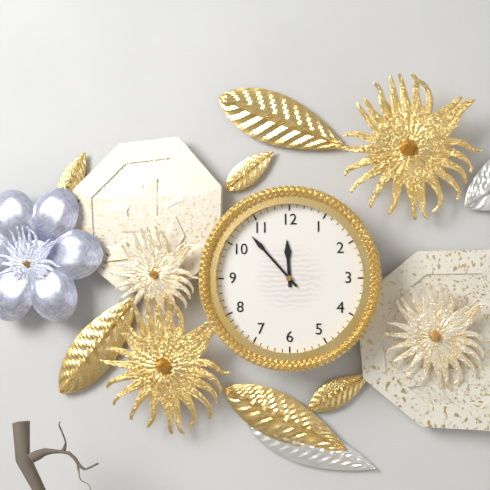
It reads 11:53
